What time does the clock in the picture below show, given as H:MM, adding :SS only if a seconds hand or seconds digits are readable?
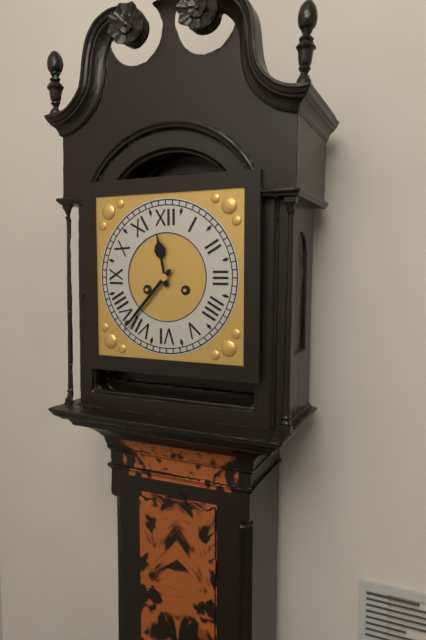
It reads 11:37
